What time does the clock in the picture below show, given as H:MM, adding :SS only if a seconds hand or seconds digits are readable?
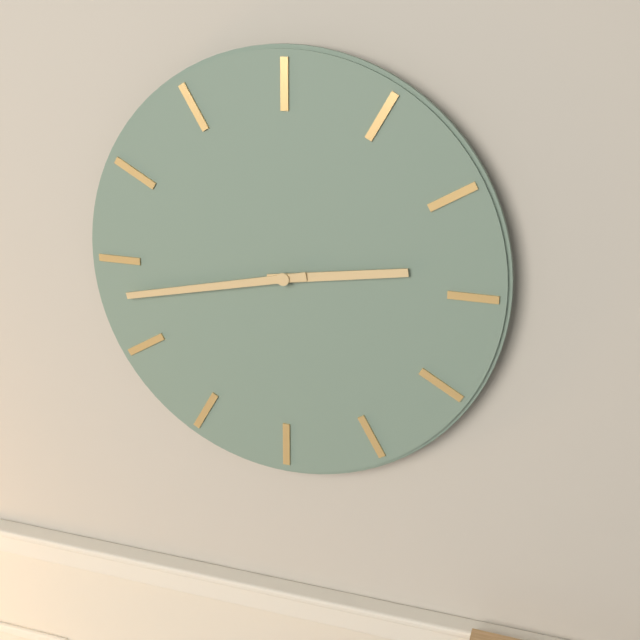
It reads 2:43
